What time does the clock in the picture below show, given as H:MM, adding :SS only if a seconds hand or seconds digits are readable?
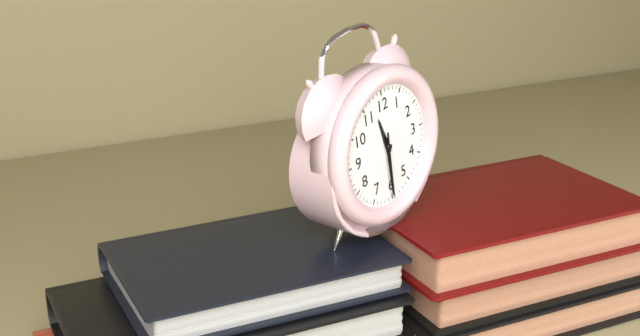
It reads 11:30:30
